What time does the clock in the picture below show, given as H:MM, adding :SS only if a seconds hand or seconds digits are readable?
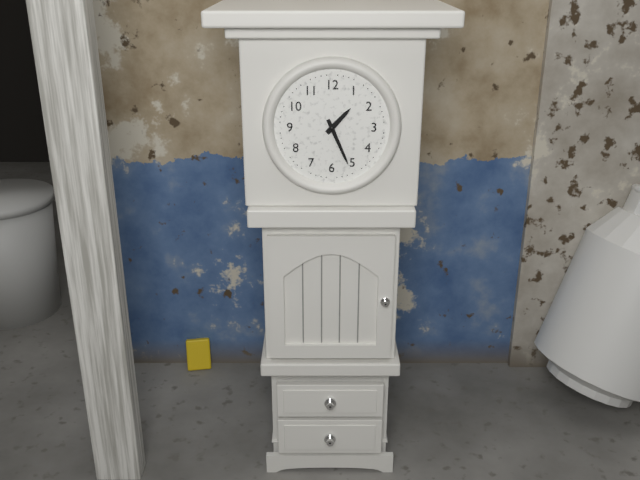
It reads 1:26
